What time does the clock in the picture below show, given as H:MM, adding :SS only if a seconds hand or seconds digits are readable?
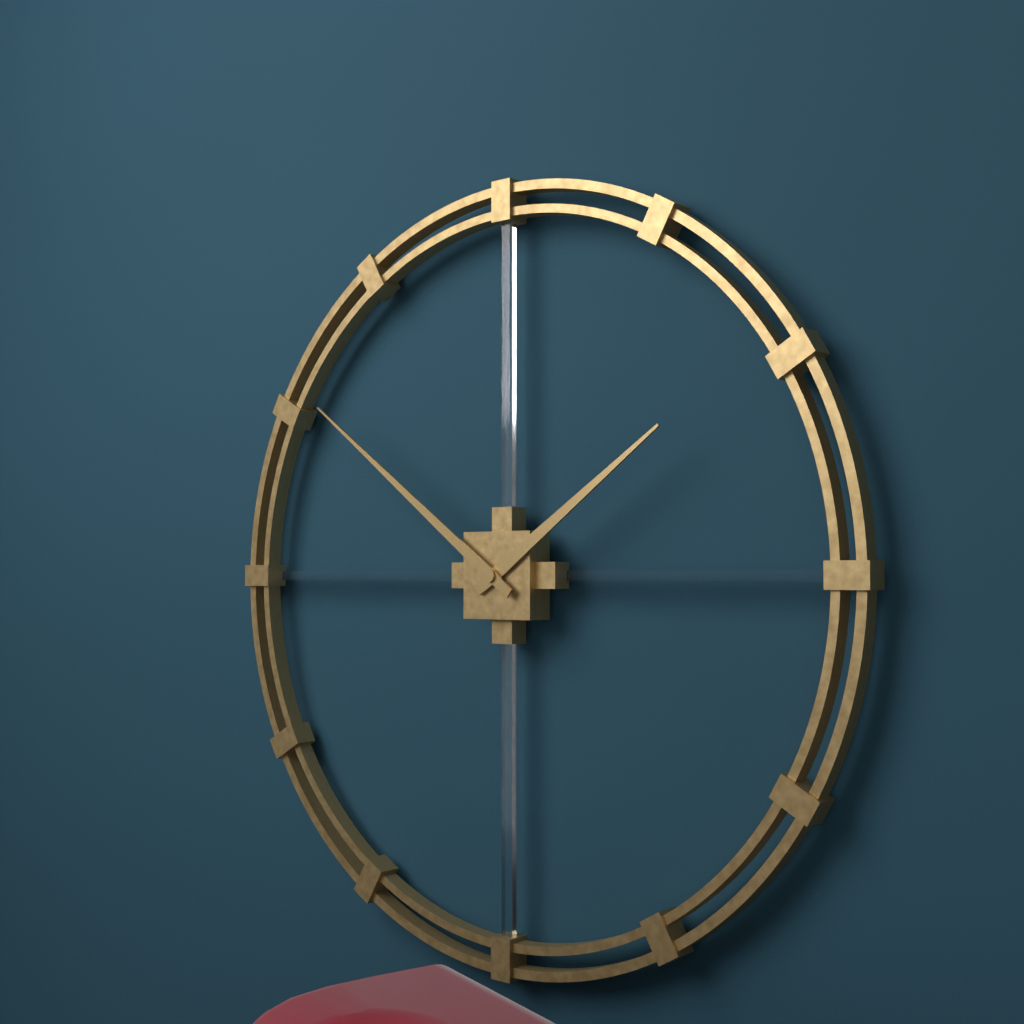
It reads 1:51
